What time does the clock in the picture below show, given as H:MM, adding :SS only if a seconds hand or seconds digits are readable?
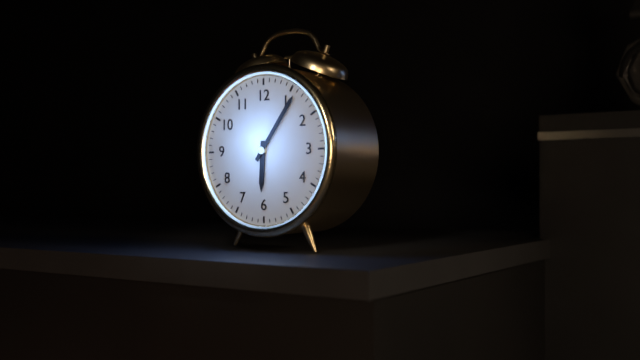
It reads 6:06
